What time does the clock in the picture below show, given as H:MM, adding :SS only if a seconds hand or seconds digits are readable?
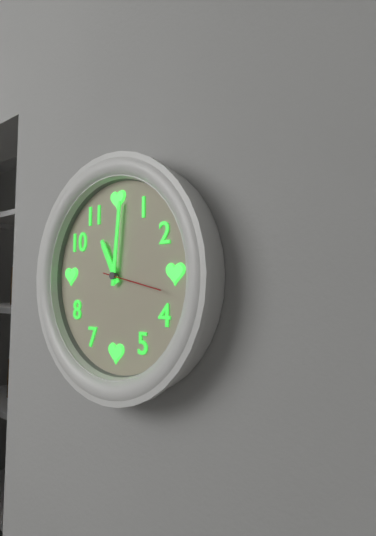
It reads 11:01:17
